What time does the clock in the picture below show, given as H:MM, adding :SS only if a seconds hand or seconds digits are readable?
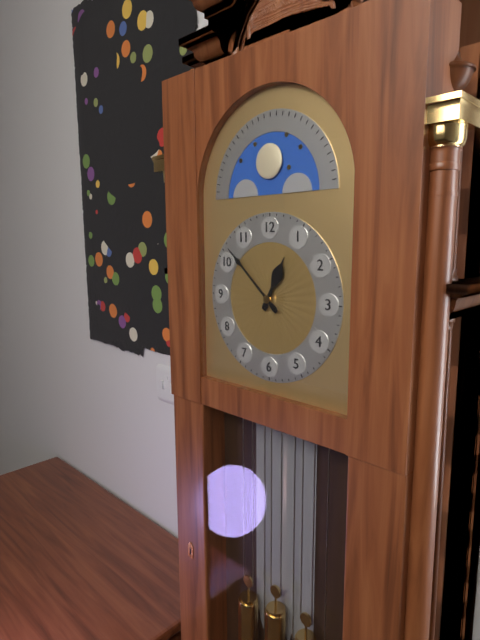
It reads 12:52
